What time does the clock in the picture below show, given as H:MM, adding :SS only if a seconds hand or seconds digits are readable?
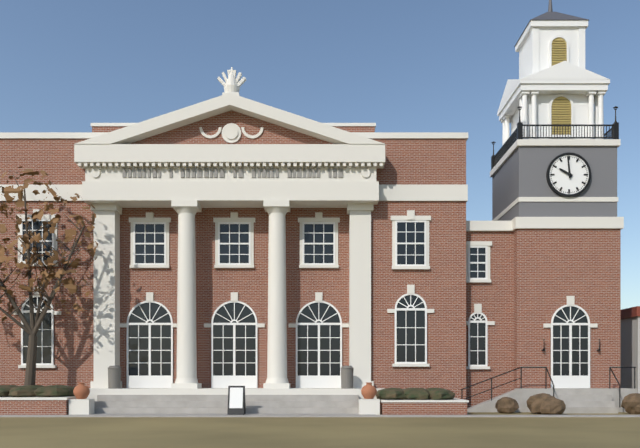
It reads 9:59
